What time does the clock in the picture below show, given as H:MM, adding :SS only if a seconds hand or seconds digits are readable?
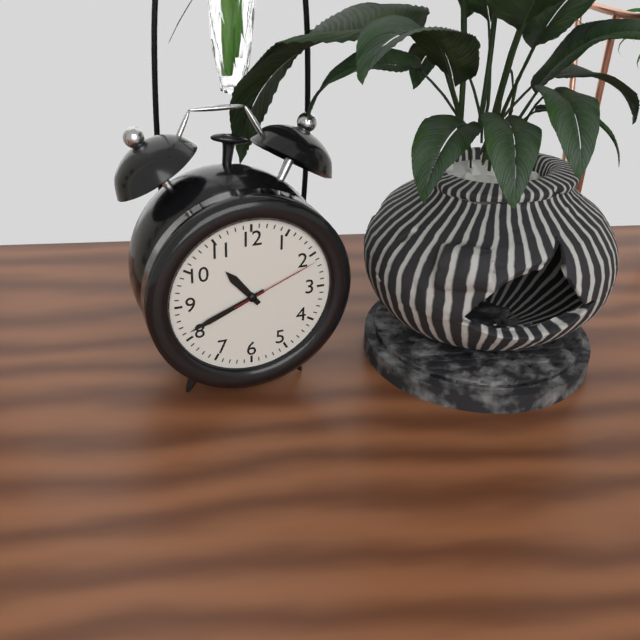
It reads 10:41:11
